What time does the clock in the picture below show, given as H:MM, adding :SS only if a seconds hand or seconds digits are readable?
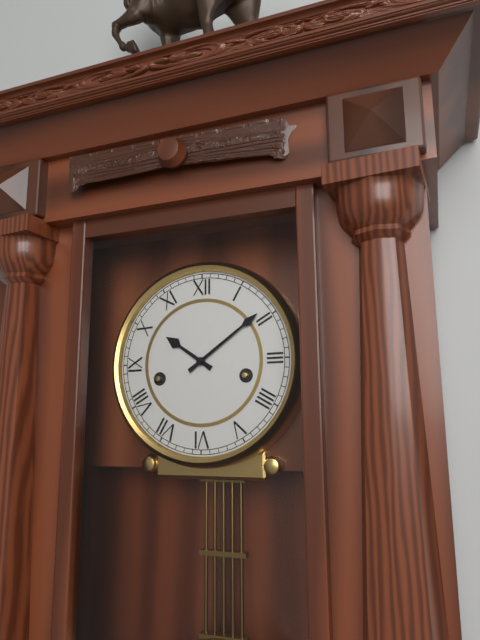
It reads 10:09
